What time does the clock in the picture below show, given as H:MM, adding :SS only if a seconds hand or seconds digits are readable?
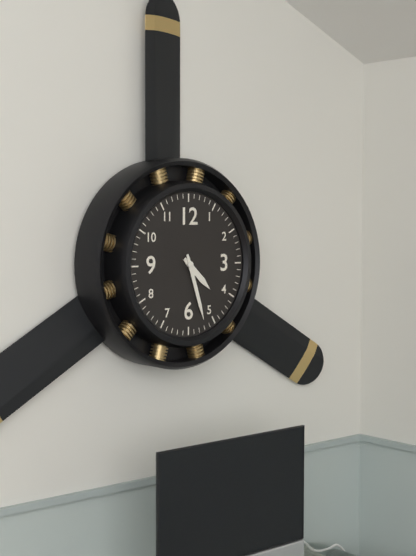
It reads 4:27
